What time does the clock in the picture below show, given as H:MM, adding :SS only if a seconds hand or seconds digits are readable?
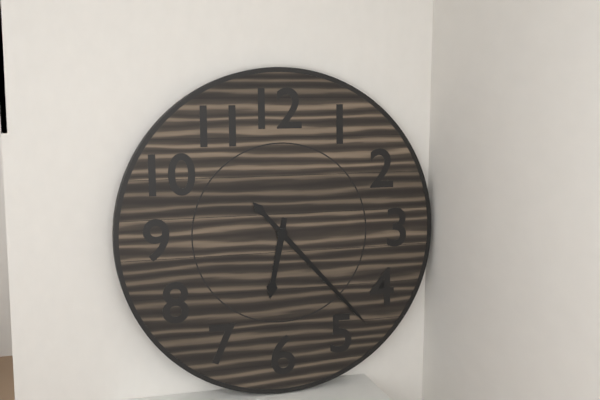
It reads 6:23
